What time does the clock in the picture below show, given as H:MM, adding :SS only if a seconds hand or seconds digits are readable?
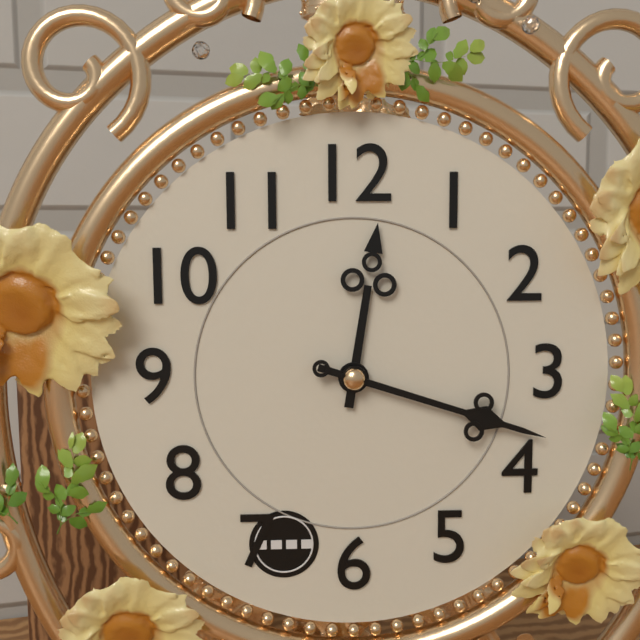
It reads 12:18
